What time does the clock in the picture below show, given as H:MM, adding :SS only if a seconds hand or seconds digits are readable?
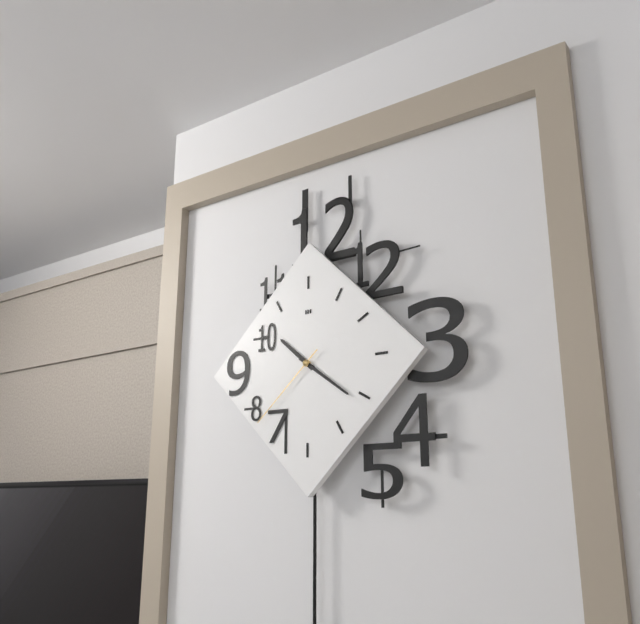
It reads 10:21:38
